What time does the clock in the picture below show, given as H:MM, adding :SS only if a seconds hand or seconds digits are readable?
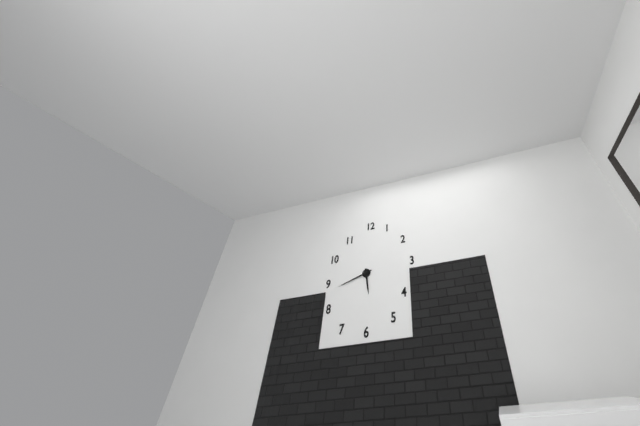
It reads 5:42
